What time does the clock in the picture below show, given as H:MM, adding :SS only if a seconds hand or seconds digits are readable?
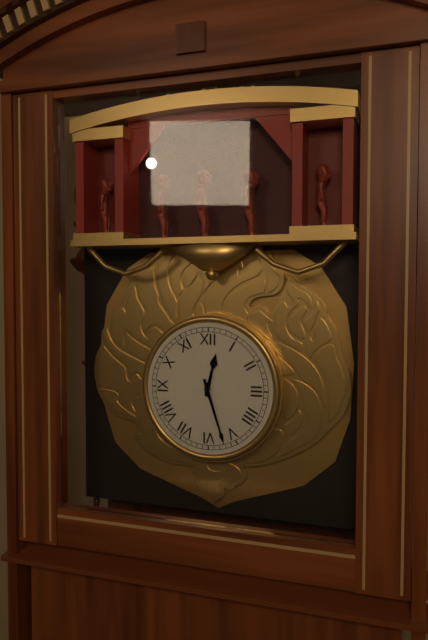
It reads 12:27
